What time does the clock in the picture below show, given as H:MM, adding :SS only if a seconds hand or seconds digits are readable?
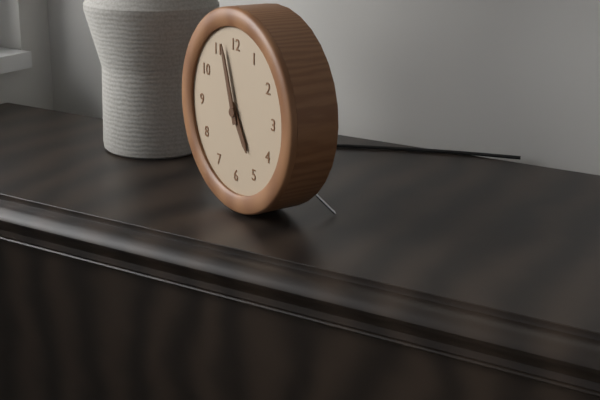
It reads 4:57
